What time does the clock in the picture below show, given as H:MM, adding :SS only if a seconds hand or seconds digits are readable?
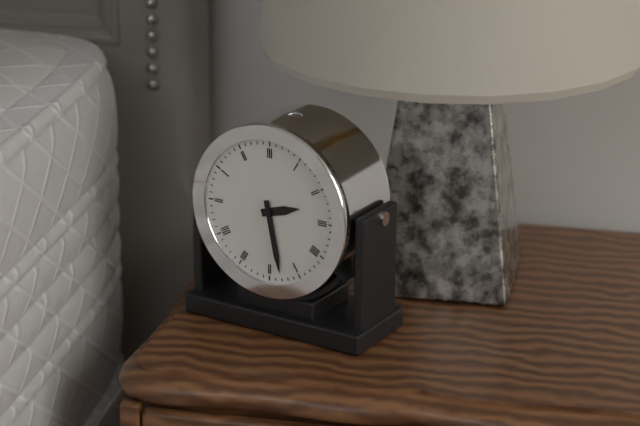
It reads 2:28
